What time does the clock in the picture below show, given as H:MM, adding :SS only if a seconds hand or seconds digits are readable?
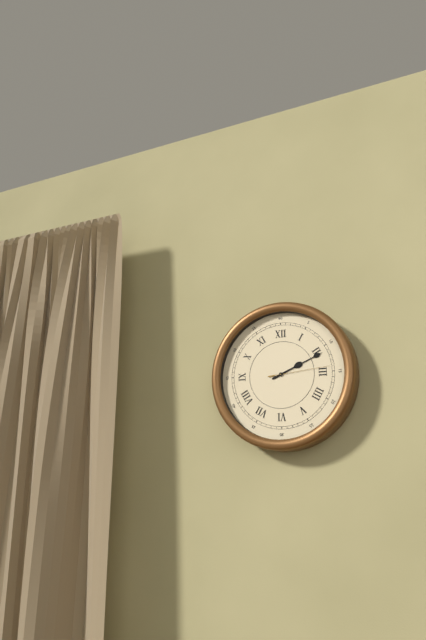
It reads 2:11:14
